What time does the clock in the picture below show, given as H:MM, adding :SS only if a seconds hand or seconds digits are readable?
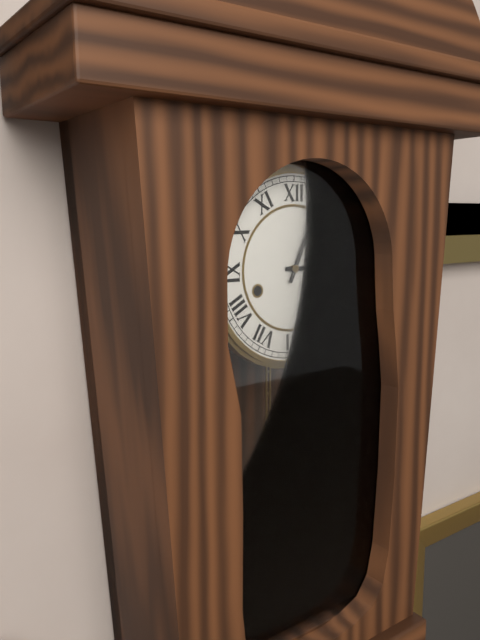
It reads 3:04
